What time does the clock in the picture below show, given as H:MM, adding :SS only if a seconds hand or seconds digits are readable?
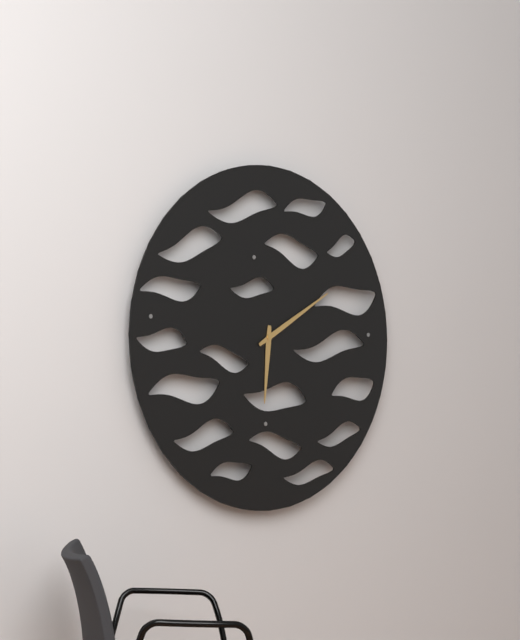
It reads 6:10
